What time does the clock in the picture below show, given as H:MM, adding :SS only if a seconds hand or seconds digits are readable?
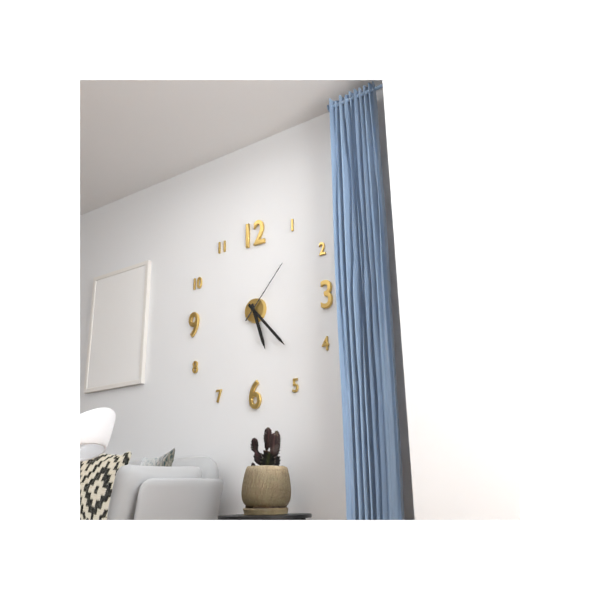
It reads 5:23:07
